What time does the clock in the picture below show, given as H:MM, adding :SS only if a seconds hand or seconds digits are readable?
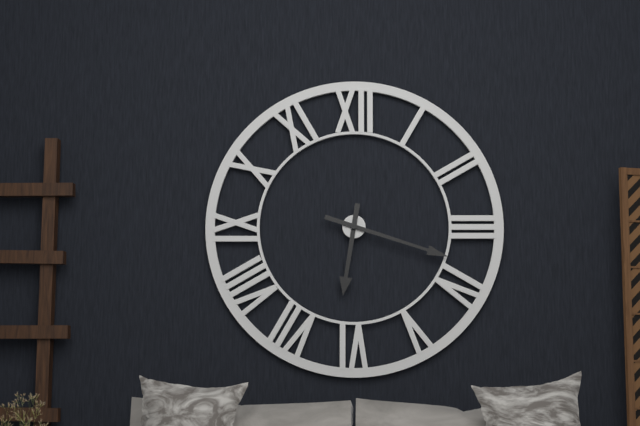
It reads 6:18
